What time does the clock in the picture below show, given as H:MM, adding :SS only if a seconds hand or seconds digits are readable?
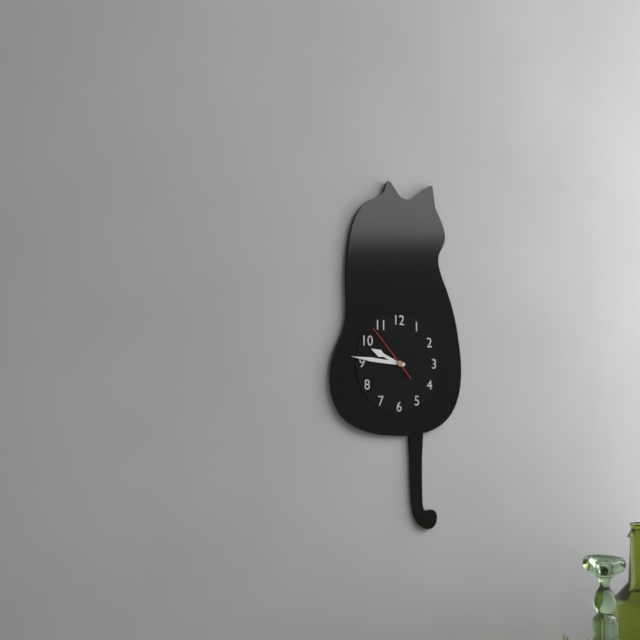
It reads 9:46:53
